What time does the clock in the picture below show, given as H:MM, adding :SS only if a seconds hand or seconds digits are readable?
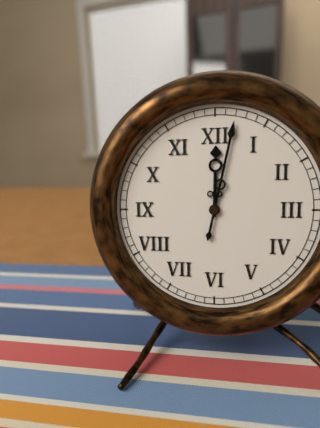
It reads 12:02
